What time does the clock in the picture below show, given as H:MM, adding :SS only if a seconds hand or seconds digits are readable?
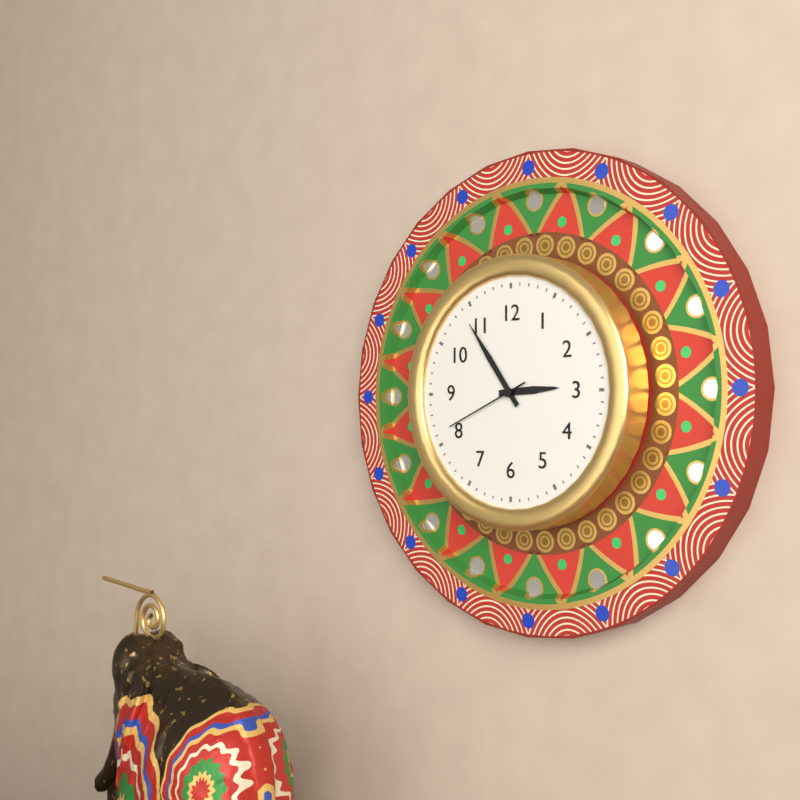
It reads 2:54:41
